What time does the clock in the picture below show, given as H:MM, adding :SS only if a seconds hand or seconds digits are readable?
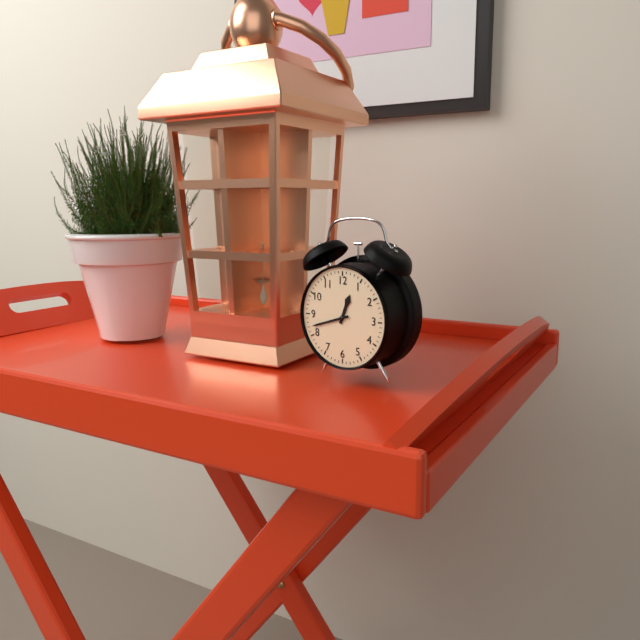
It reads 12:42
